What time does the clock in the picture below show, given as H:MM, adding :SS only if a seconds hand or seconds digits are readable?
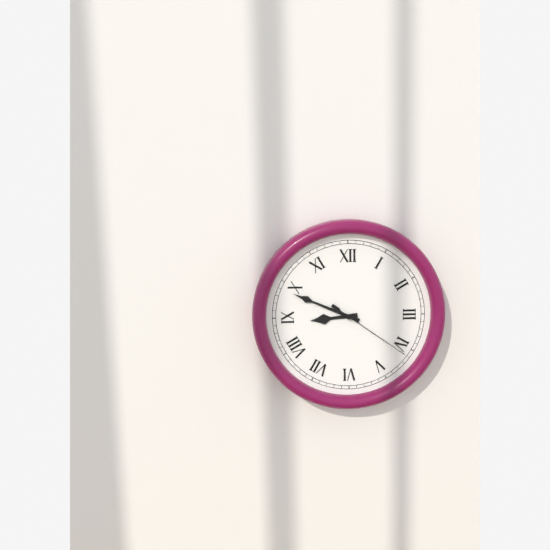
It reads 8:49:21
